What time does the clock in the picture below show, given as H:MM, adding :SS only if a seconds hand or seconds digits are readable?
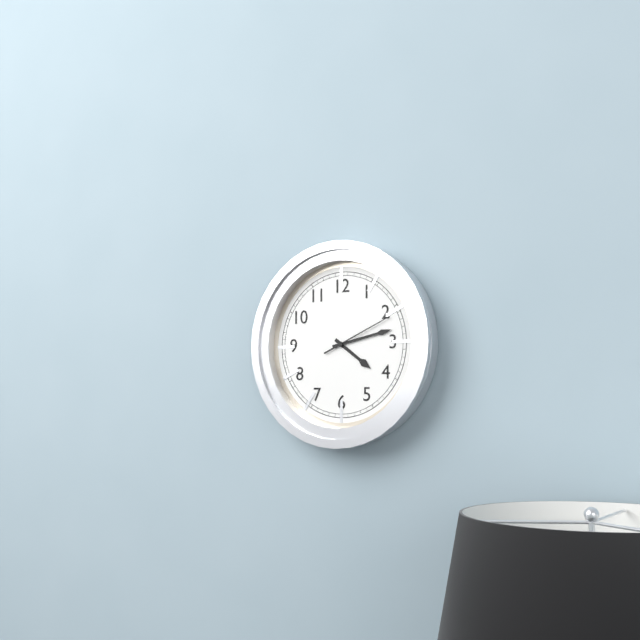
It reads 4:13:11
